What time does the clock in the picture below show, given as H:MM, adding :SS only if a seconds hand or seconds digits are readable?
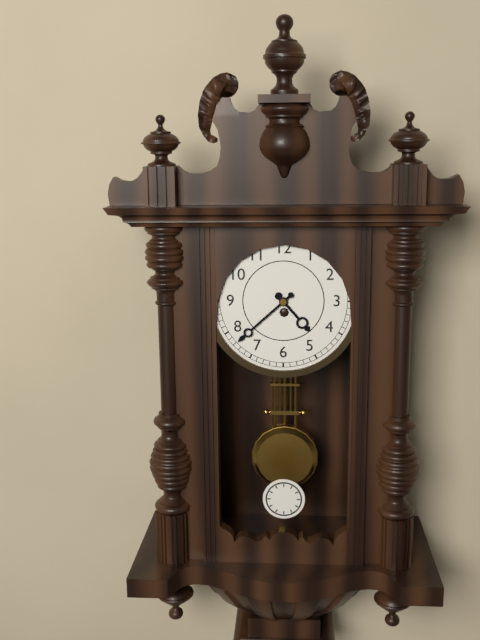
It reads 4:38
